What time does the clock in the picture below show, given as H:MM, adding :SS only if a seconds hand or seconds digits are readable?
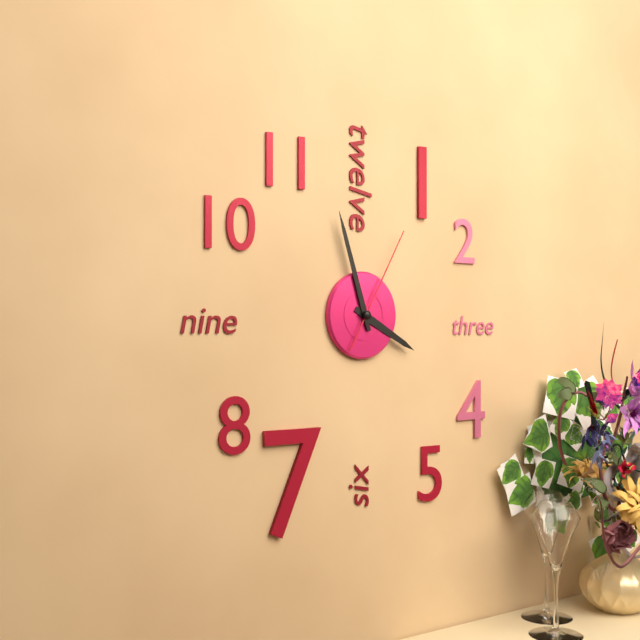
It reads 3:57:05
